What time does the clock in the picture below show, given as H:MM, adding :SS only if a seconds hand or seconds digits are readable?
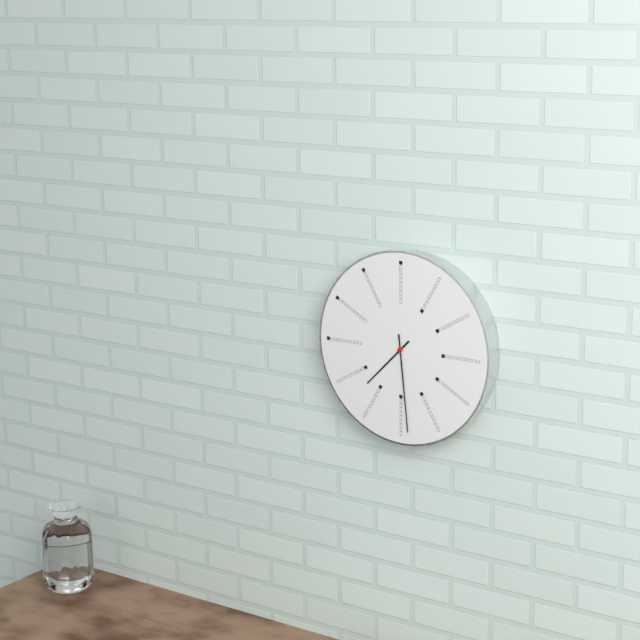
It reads 7:29
